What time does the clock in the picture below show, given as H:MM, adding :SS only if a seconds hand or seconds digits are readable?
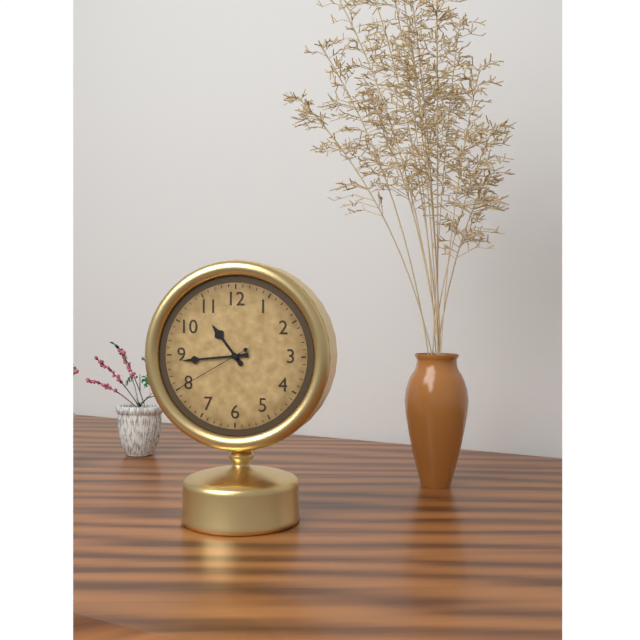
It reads 10:44:40
